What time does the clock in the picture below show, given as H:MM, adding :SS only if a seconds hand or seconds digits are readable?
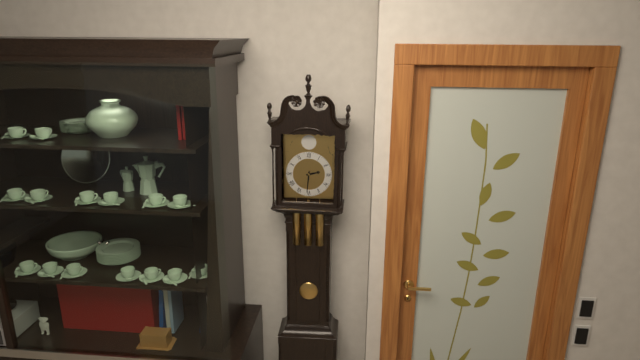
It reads 2:31
